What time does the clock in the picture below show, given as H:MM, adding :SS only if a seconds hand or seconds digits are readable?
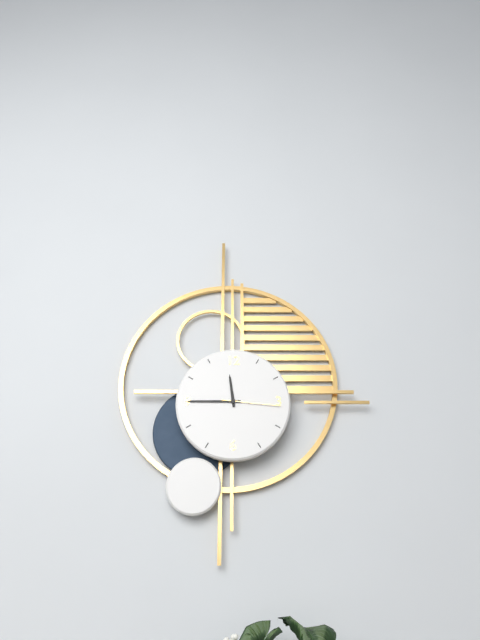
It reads 11:45:16
